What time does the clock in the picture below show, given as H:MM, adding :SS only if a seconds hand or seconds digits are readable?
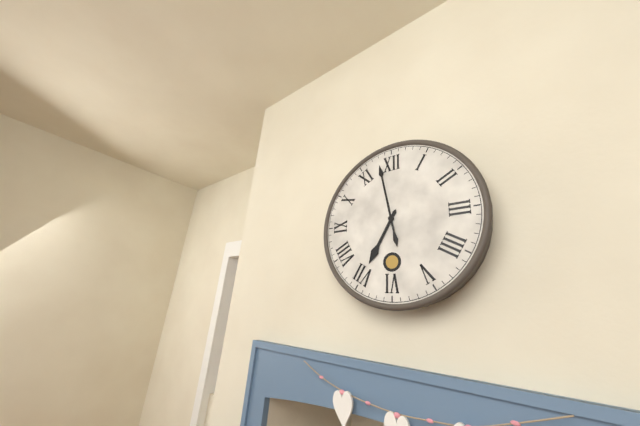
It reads 6:58
